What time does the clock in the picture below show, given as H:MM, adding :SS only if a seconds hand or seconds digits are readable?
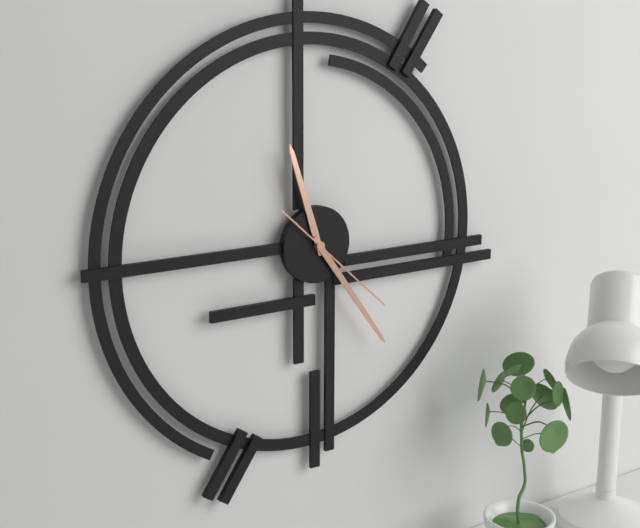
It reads 11:24:22
